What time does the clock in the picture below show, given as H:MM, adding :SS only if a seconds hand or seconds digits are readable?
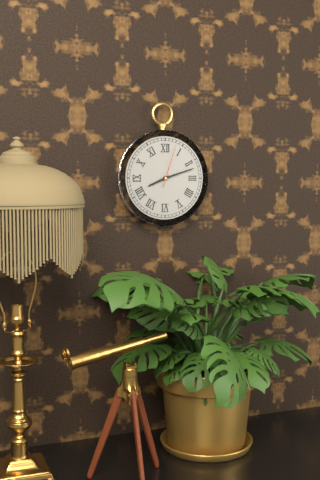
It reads 8:12
